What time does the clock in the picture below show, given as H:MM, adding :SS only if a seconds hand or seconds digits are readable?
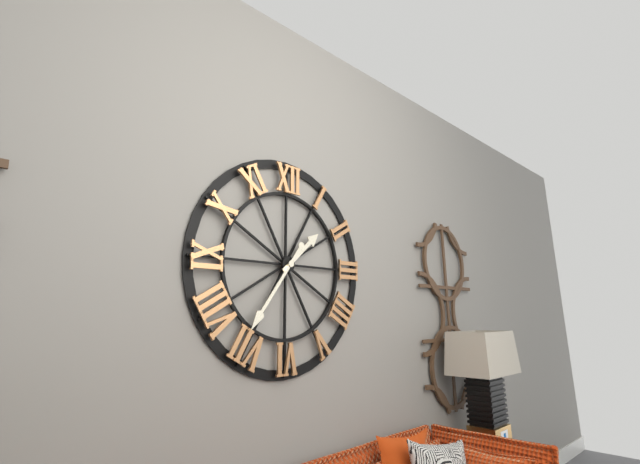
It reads 1:36
